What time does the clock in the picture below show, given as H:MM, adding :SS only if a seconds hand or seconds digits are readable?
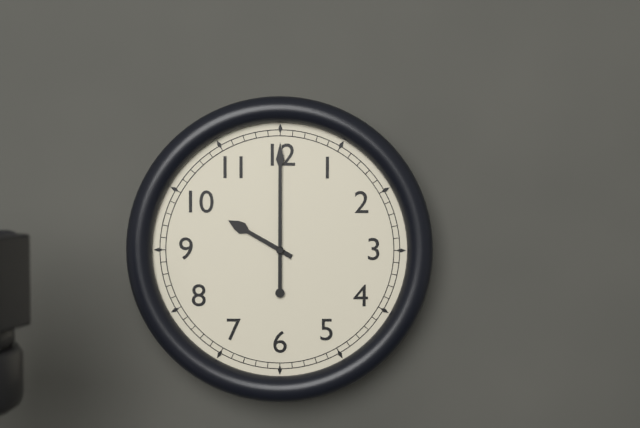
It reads 10:00
